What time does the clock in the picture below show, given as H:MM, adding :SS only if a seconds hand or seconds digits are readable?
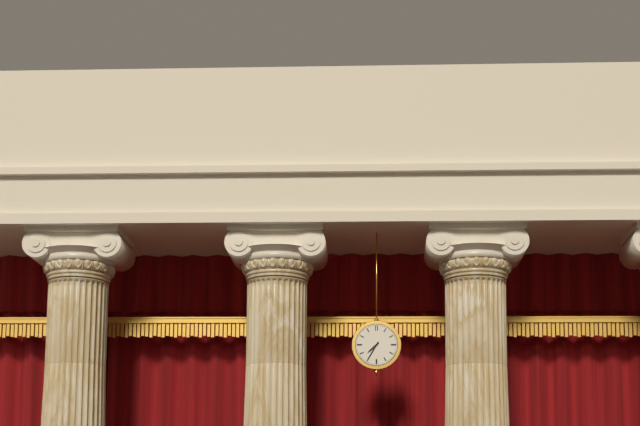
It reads 7:35
